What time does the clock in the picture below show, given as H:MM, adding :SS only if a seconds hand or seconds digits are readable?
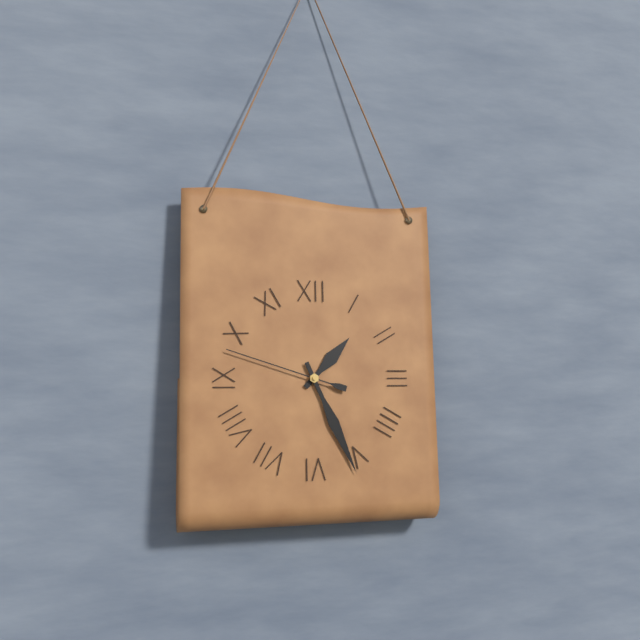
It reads 1:26:48
